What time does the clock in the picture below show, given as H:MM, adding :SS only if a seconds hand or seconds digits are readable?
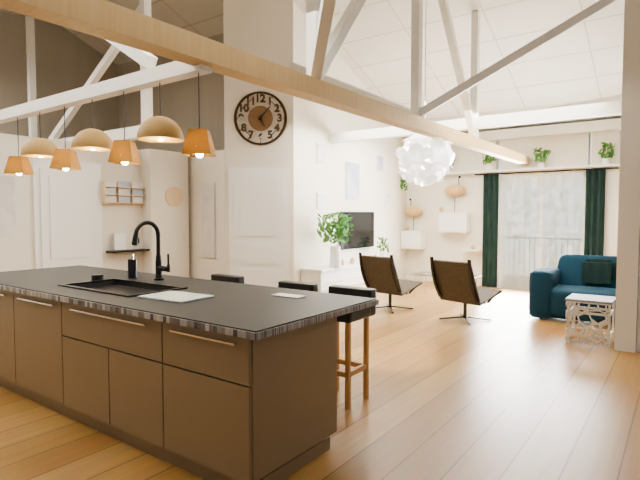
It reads 5:07
